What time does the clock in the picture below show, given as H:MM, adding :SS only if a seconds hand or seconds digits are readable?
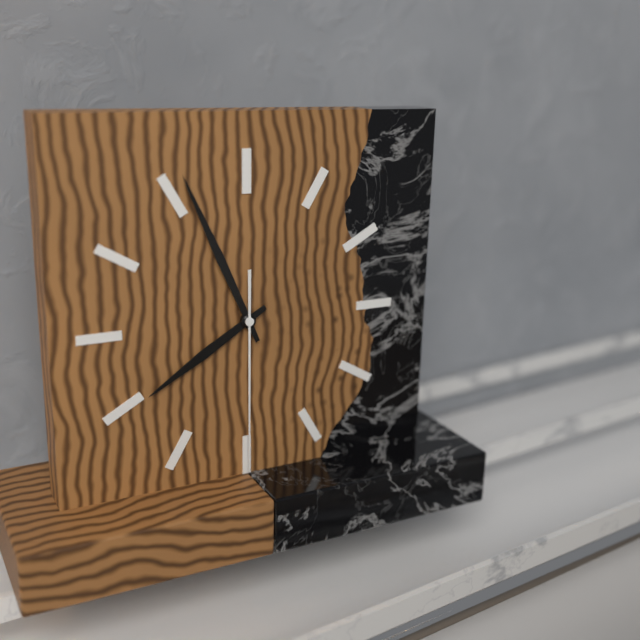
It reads 7:56:30
